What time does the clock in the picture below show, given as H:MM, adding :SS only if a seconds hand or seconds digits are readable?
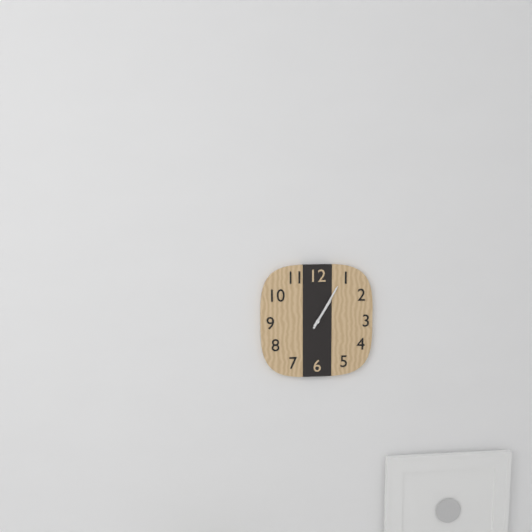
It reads 1:05
